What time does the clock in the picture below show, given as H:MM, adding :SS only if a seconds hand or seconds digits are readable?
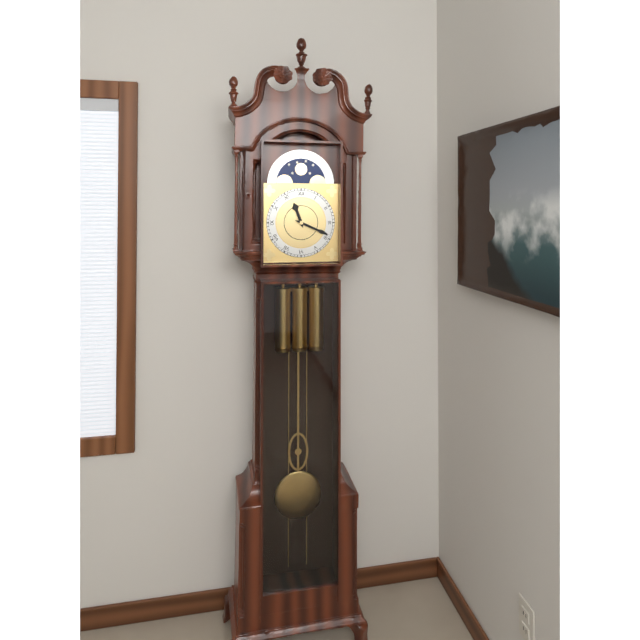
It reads 11:19
